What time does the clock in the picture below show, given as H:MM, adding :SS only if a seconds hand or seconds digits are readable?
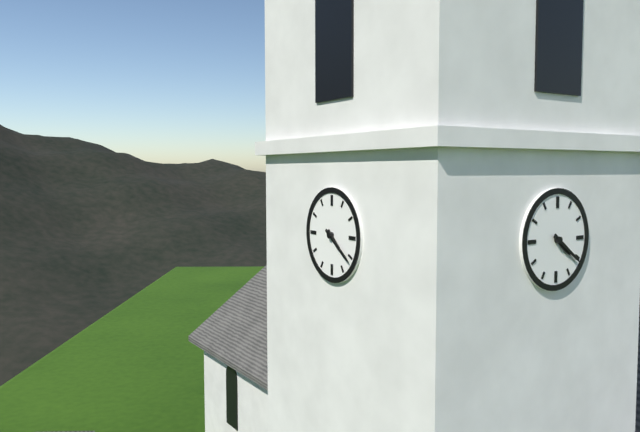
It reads 4:21
